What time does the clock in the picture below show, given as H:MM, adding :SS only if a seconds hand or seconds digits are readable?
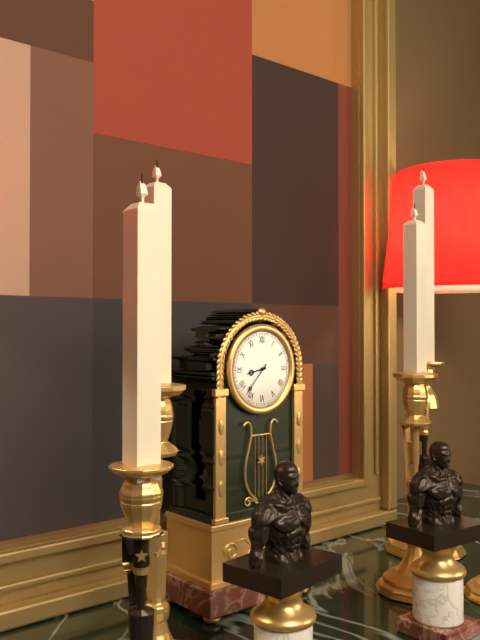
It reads 8:37
